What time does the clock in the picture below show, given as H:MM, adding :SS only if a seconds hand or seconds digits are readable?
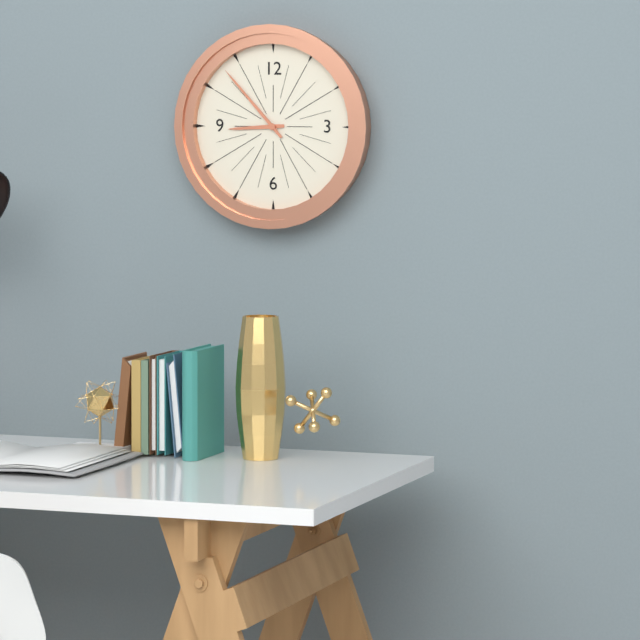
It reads 8:53
